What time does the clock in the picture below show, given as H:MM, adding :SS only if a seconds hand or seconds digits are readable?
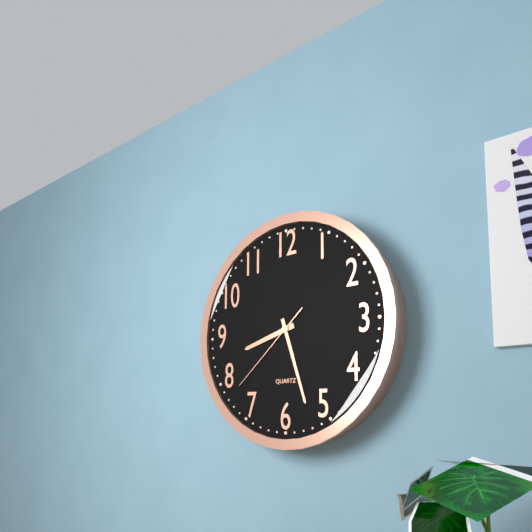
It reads 8:27:38
